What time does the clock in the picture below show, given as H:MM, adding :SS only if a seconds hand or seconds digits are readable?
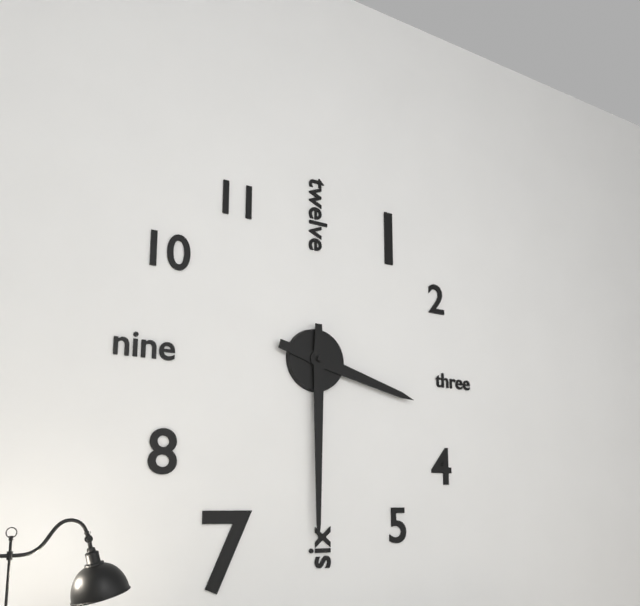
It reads 3:30
